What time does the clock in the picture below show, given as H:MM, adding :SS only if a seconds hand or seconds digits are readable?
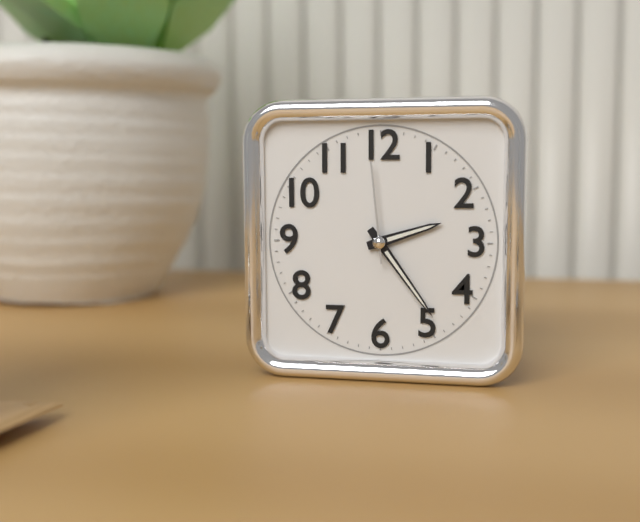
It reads 2:24:59
